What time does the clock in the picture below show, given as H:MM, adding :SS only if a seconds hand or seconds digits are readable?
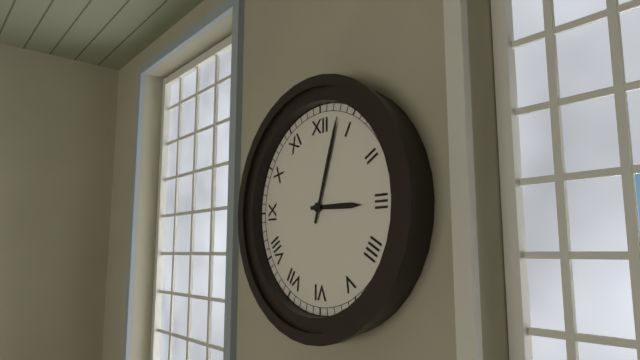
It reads 3:03
